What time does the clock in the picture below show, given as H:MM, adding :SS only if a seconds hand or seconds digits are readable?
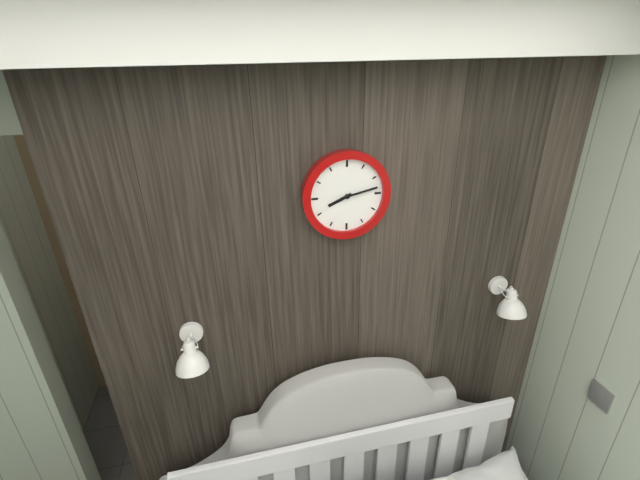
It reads 8:13
